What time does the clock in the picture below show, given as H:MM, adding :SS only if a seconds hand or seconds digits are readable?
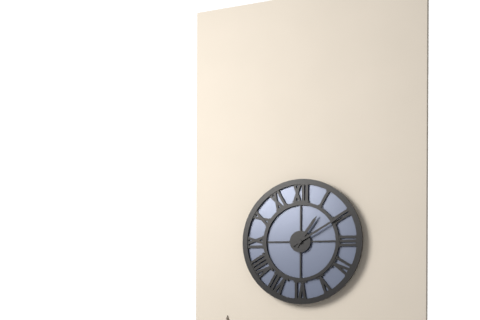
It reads 1:10
